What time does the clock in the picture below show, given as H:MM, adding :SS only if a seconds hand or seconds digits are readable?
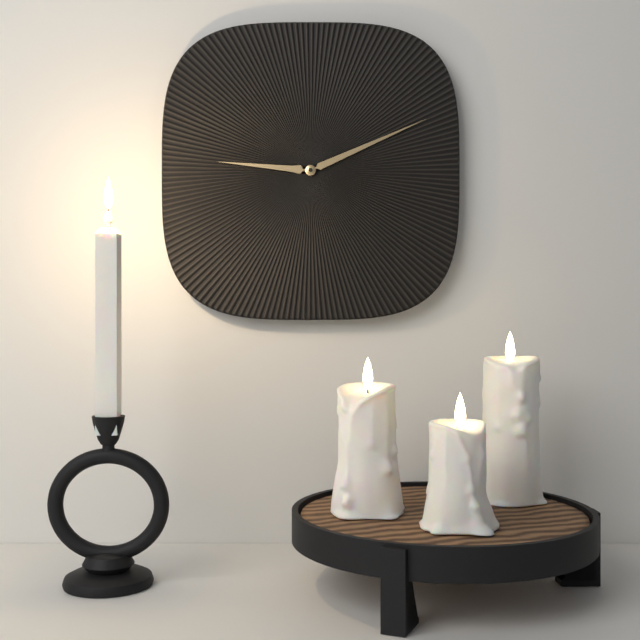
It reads 9:11
